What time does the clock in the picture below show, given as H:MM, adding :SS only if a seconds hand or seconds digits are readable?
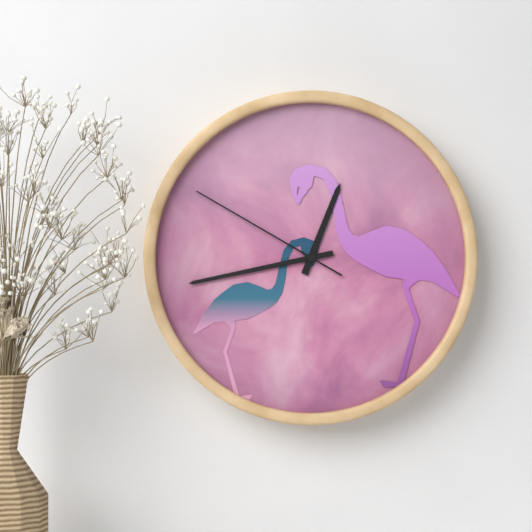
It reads 12:43:50
